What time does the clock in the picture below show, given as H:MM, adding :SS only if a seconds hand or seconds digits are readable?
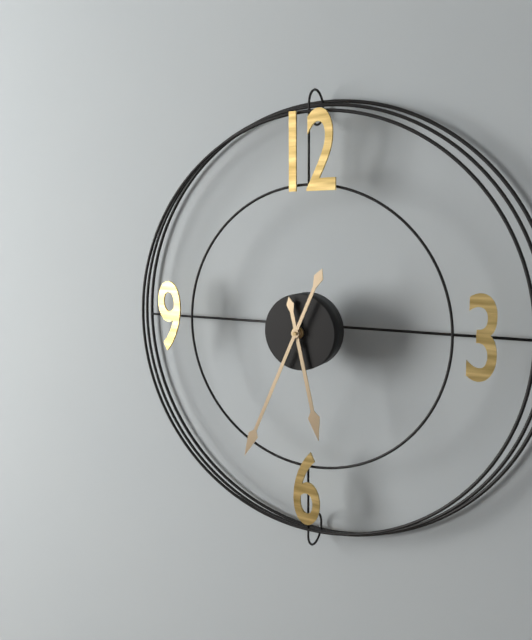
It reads 5:34
